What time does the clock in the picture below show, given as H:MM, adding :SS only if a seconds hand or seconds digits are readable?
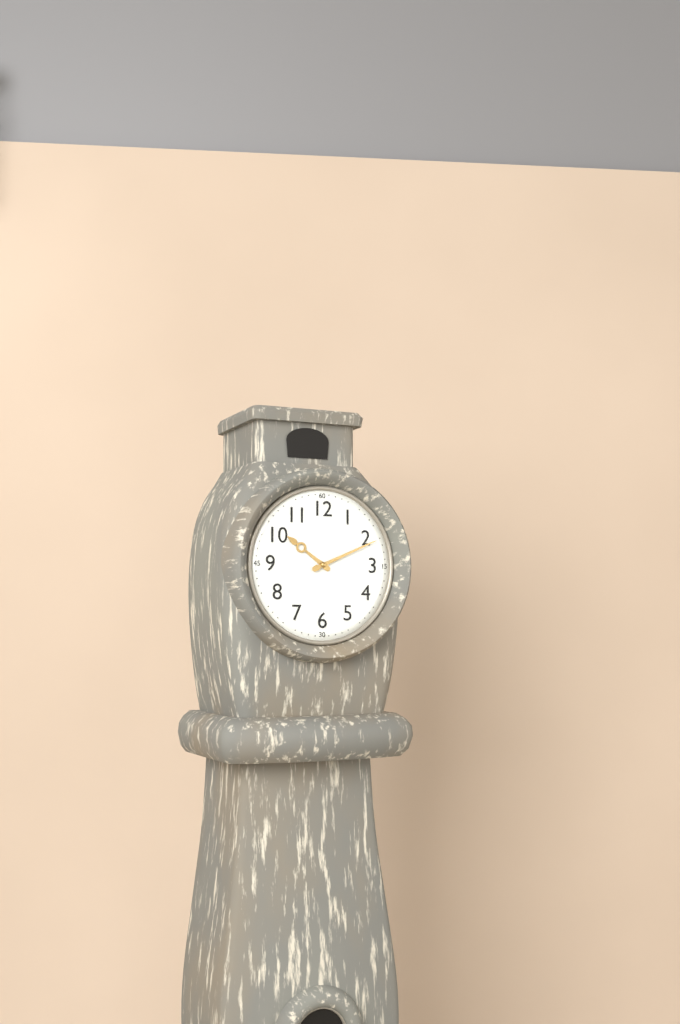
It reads 10:11
